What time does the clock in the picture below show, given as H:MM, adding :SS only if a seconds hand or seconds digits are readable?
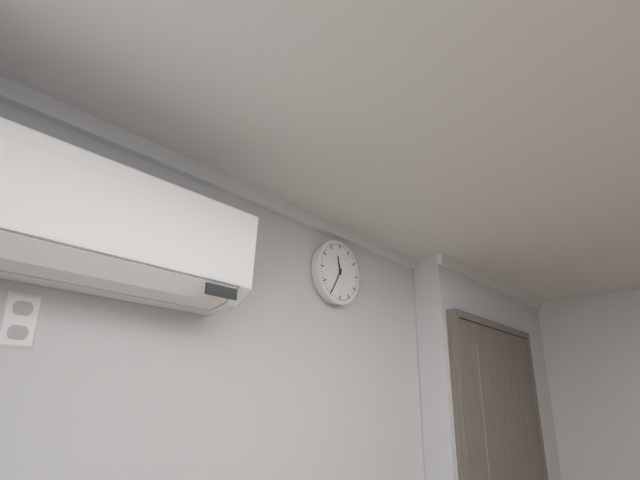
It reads 11:35
